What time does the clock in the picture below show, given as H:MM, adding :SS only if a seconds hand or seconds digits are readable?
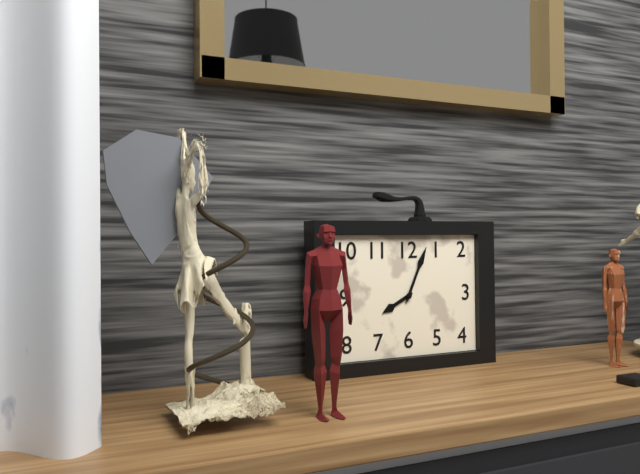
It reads 8:04
